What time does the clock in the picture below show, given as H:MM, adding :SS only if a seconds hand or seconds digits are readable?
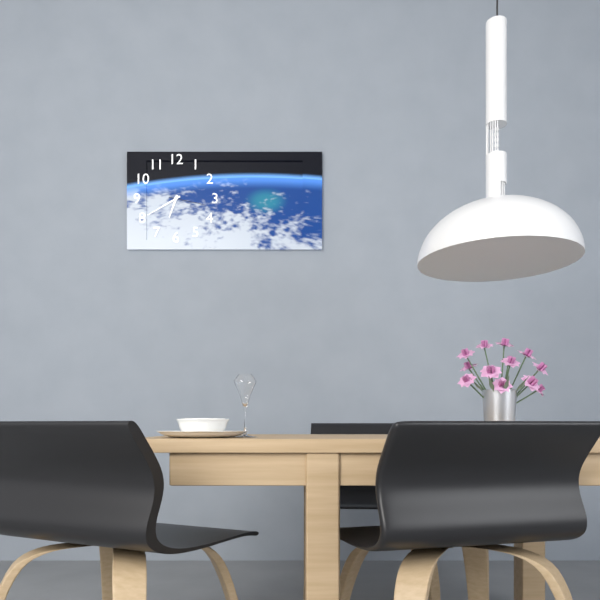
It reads 6:40
